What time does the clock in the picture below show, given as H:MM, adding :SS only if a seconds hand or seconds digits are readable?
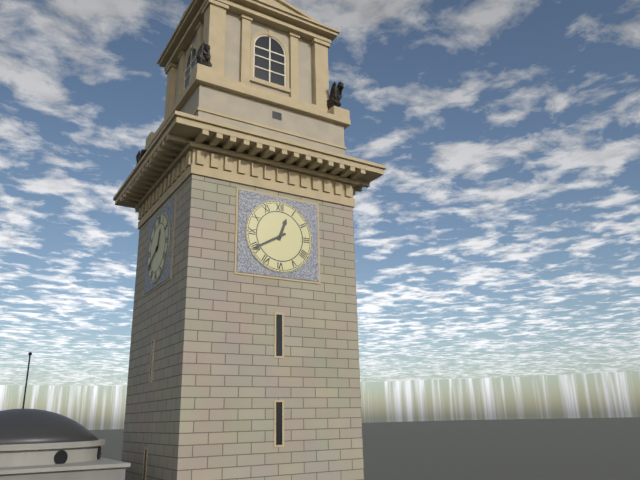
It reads 12:40
